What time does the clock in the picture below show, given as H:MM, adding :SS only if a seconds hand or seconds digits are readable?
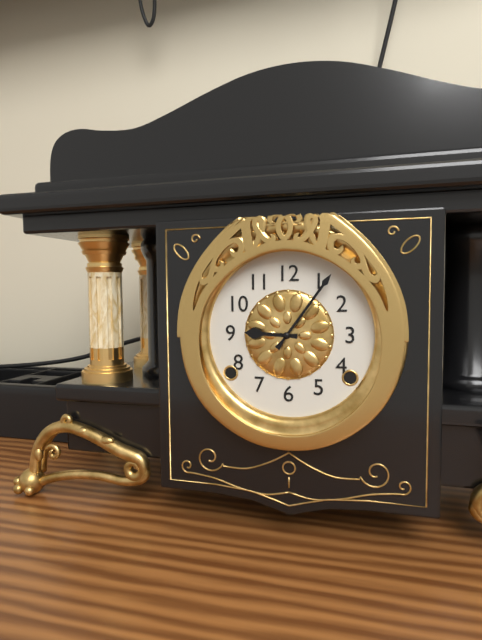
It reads 9:06
